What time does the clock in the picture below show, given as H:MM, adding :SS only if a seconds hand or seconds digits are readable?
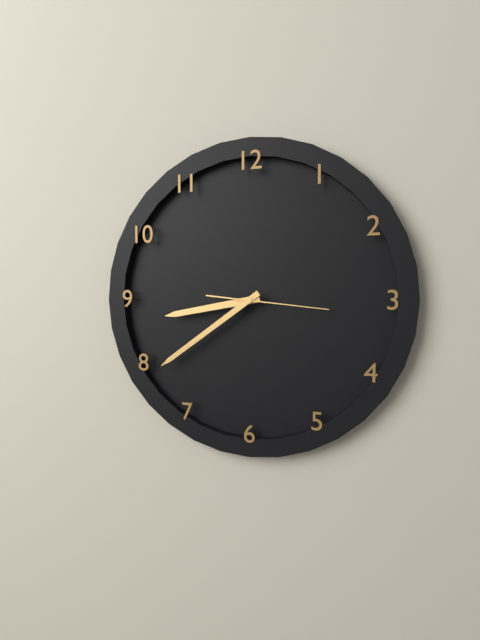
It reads 8:39:16
